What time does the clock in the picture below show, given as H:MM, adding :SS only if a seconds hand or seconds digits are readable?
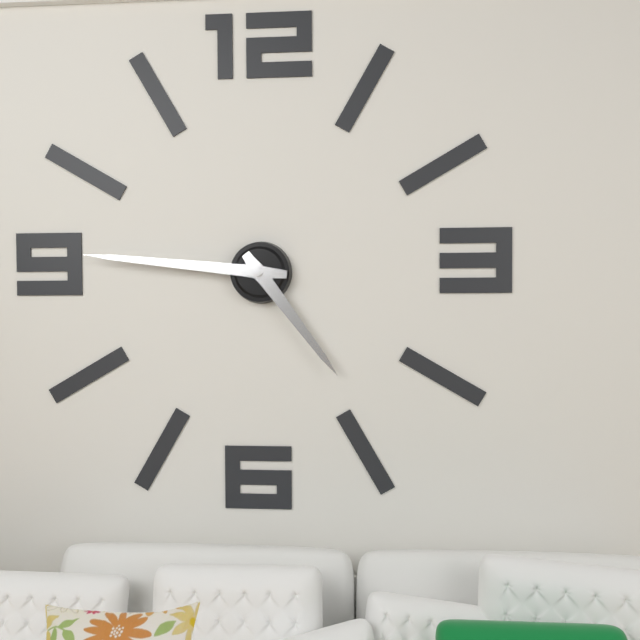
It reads 4:46
